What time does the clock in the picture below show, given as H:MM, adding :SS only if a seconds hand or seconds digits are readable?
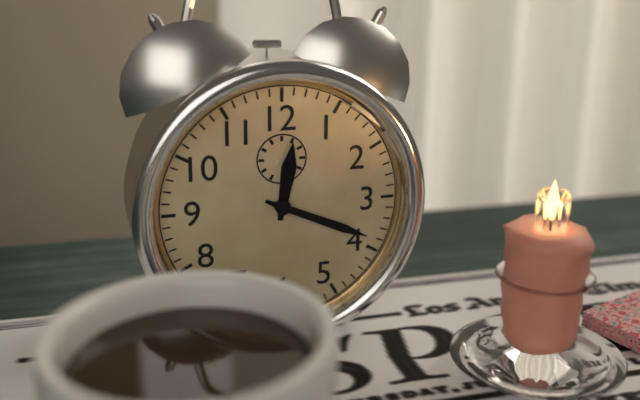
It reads 12:19
